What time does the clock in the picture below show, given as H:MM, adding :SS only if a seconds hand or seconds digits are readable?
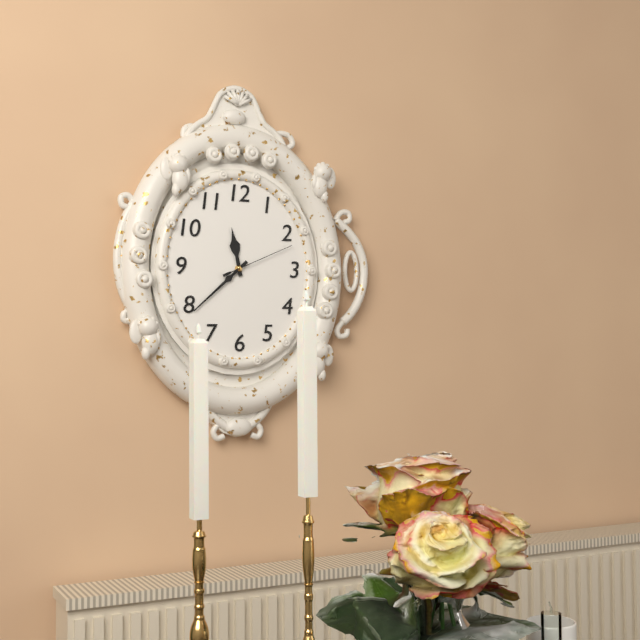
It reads 11:38:11
